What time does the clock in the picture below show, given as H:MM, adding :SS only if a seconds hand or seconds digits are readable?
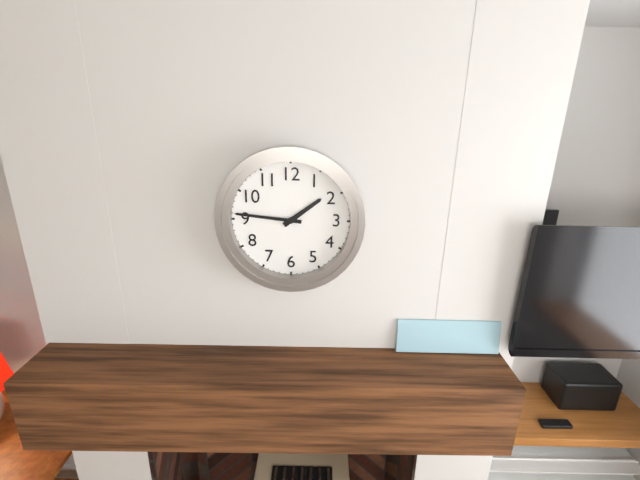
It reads 1:46
